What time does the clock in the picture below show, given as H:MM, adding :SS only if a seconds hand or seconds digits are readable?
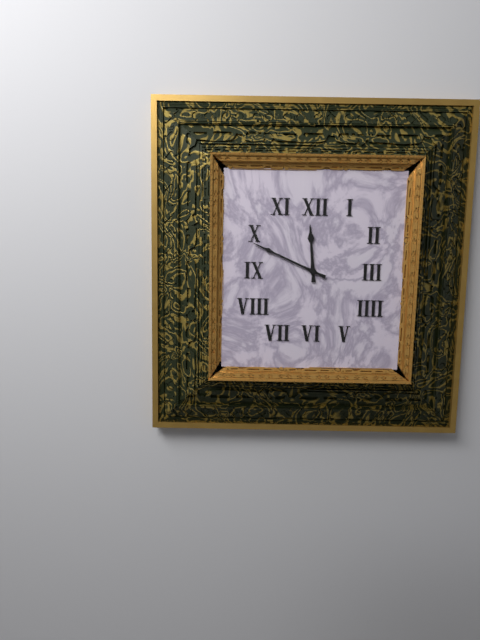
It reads 11:49
